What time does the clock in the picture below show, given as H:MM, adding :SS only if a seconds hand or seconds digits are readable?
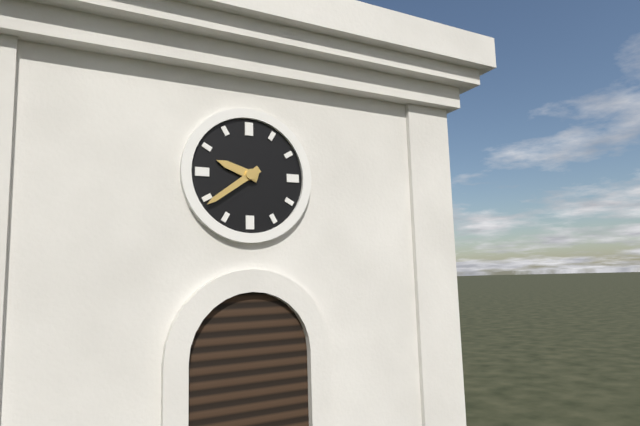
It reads 9:39
